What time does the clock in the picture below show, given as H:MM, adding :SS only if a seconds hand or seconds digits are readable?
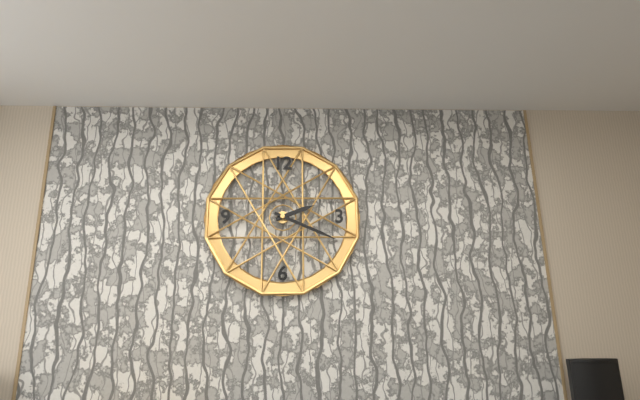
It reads 2:19
